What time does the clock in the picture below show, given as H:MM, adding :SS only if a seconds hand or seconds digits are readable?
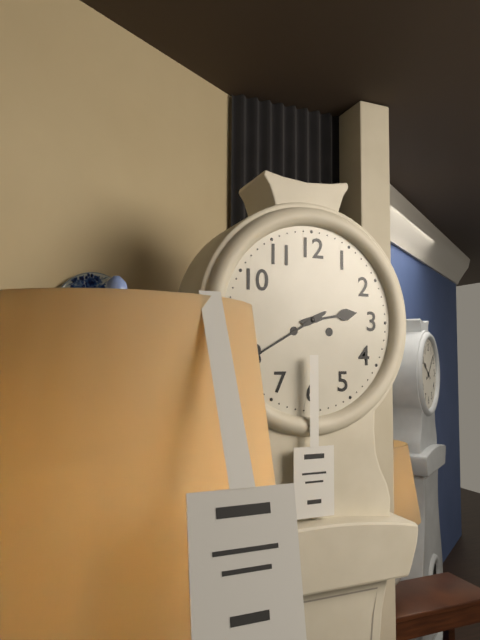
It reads 2:40
